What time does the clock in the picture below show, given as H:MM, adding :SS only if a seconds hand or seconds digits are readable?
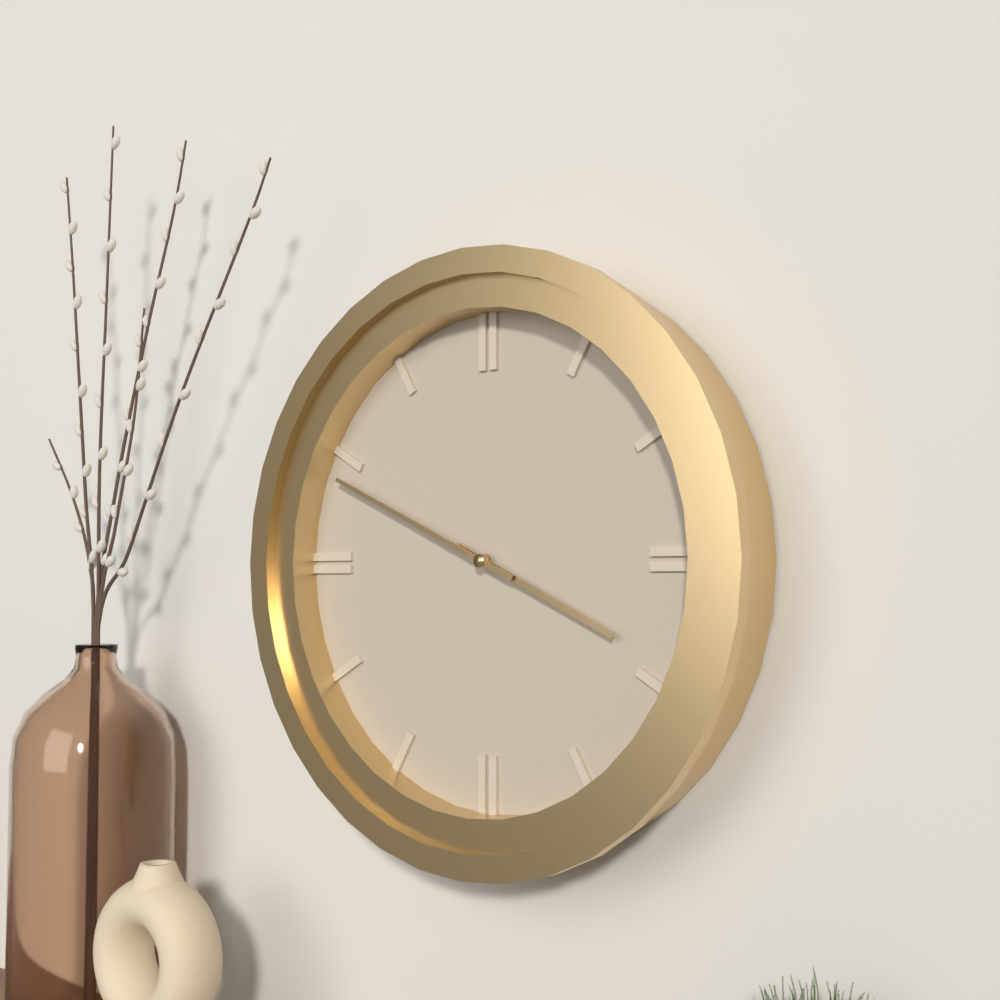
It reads 3:49
